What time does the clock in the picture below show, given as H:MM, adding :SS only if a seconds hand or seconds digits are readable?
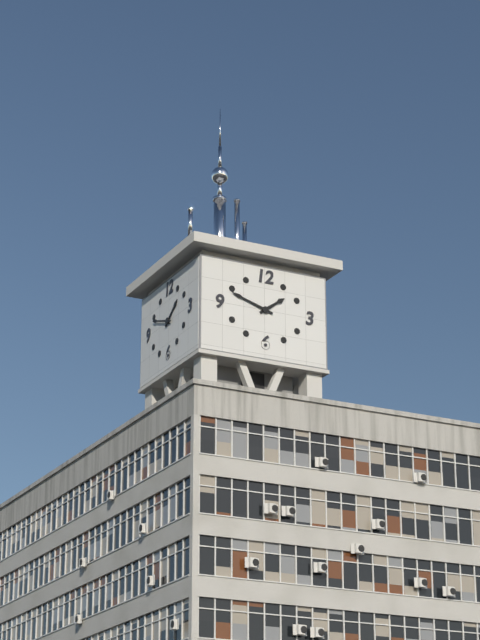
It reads 1:48
